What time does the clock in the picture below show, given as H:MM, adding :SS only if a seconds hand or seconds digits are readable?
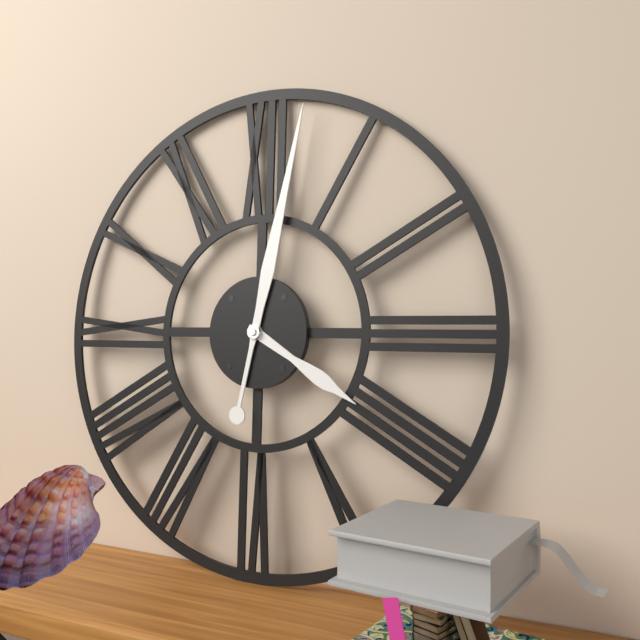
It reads 4:02
